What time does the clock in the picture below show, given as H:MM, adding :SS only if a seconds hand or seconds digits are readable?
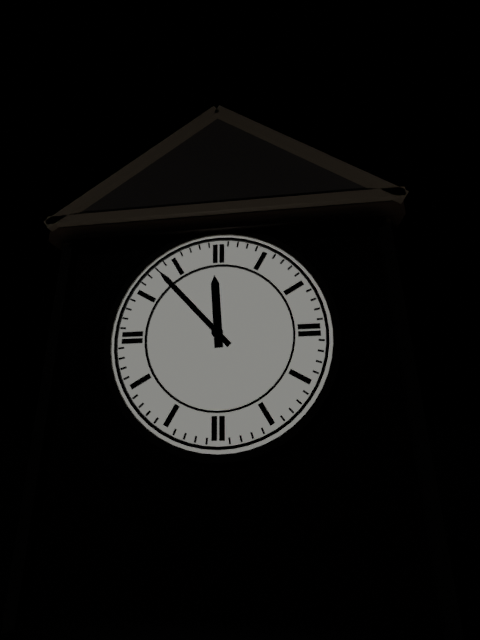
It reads 11:53
